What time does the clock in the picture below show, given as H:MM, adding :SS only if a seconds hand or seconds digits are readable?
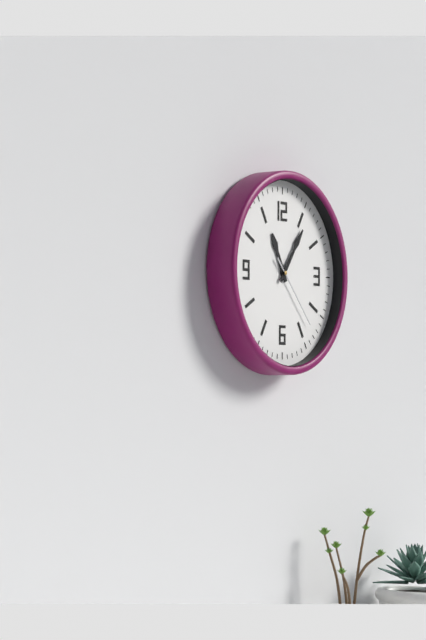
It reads 11:06:23
